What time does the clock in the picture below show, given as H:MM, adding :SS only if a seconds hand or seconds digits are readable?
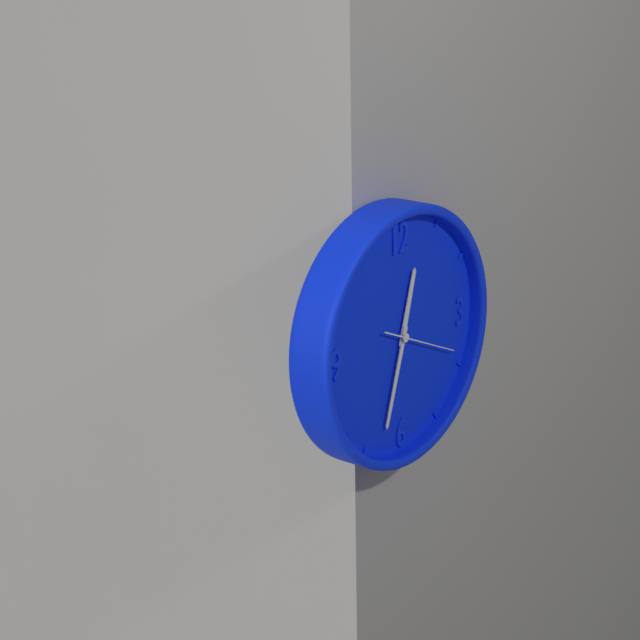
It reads 12:33:19
